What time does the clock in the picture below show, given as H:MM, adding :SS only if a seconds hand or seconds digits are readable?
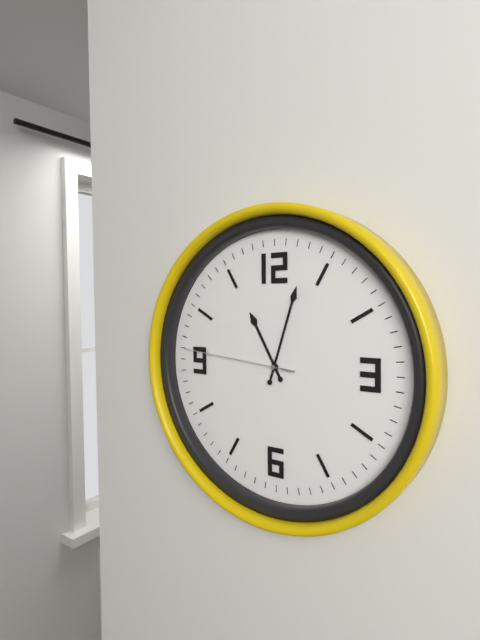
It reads 11:03:46
